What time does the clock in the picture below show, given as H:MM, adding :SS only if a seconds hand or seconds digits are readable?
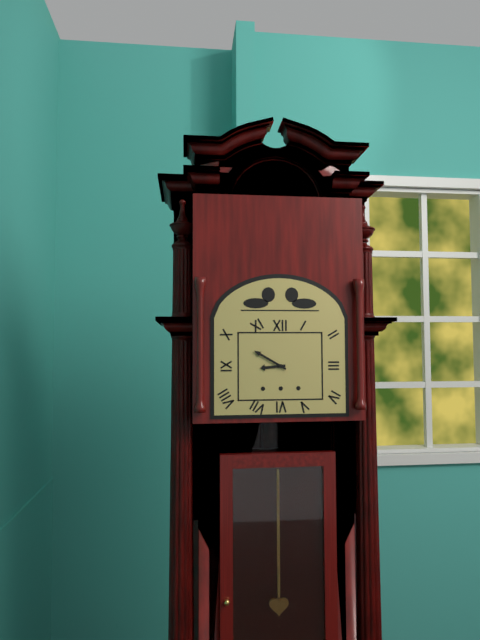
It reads 8:50
